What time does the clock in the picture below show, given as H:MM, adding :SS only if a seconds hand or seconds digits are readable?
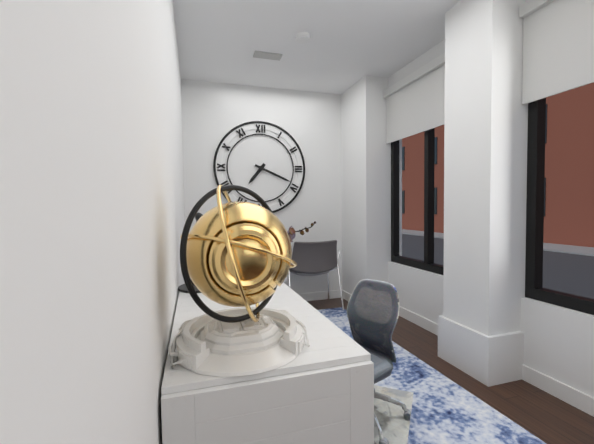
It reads 7:19
